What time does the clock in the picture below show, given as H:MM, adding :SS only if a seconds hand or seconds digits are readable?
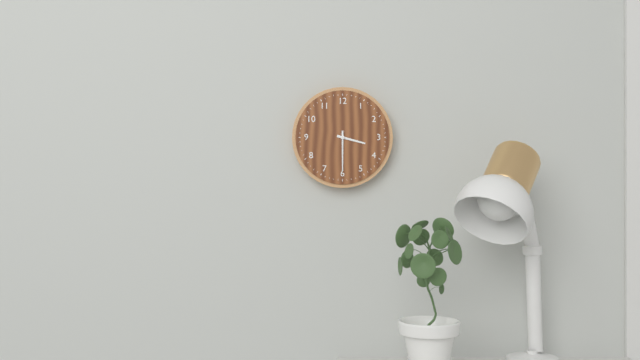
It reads 3:30
